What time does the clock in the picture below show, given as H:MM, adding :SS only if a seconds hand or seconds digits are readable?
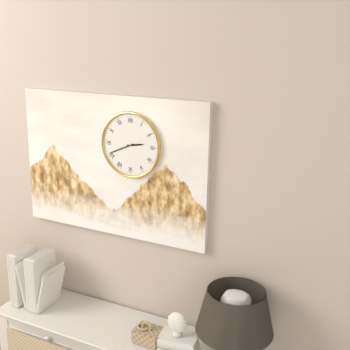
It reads 2:41
